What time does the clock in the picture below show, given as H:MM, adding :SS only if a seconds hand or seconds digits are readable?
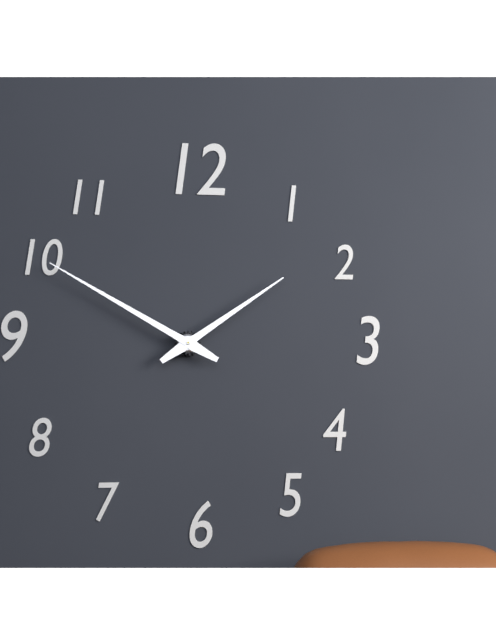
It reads 1:50
